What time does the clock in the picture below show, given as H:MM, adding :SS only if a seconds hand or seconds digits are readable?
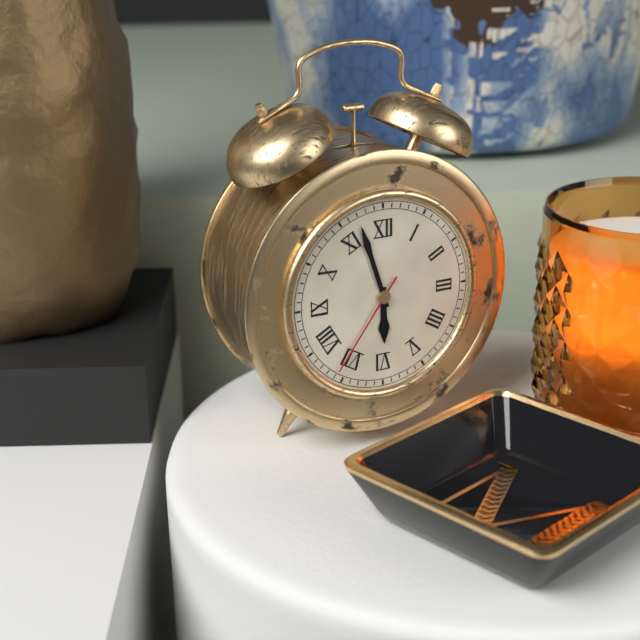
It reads 5:57:36
